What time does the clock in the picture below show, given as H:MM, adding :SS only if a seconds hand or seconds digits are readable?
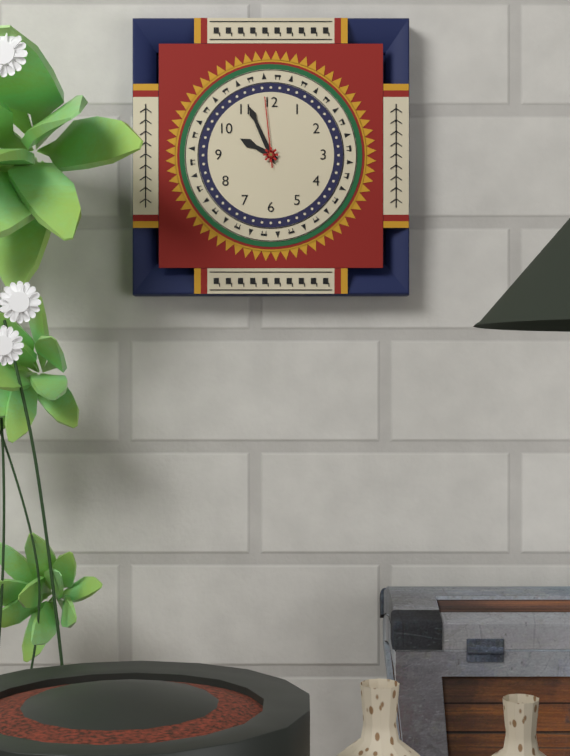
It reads 9:56:59
